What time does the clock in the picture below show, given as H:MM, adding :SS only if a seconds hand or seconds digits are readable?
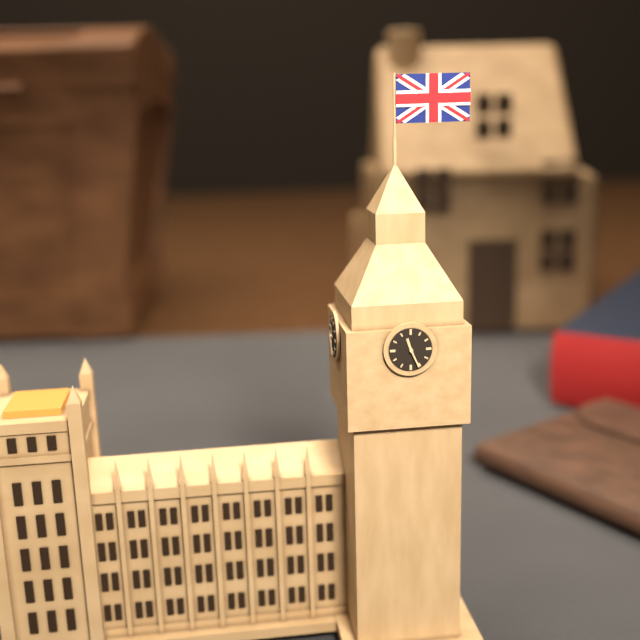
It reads 11:26
